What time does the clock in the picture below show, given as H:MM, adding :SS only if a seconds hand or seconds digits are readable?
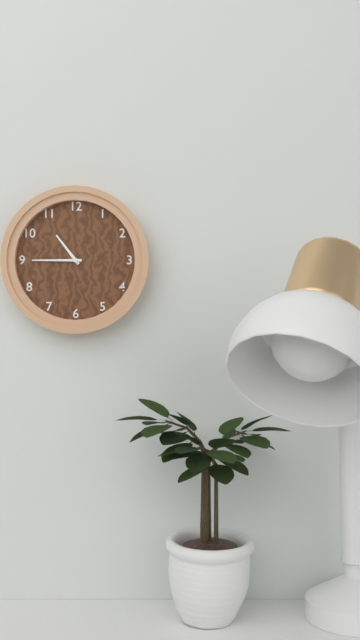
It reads 10:45
